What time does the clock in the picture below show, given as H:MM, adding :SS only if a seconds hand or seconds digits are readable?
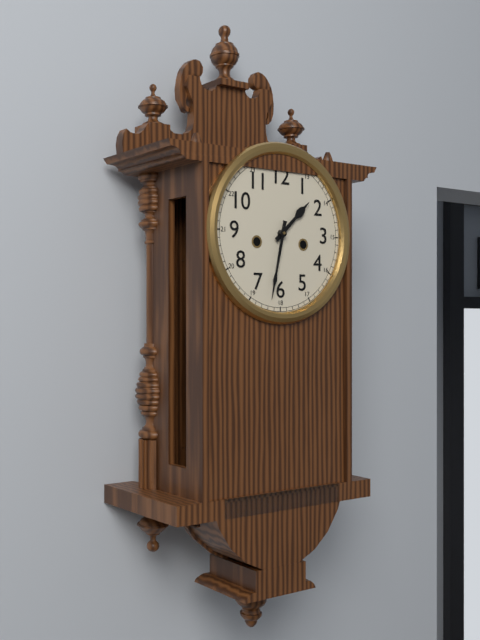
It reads 1:32
